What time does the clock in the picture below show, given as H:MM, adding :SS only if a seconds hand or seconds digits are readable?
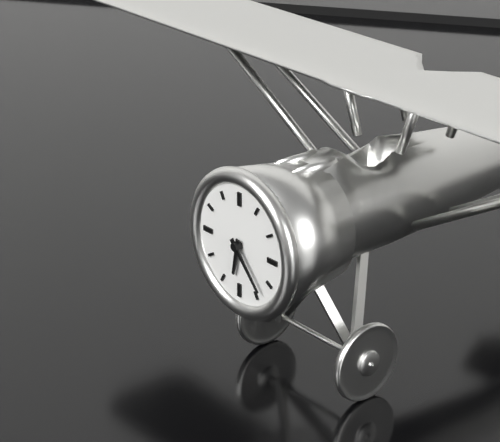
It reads 6:23
